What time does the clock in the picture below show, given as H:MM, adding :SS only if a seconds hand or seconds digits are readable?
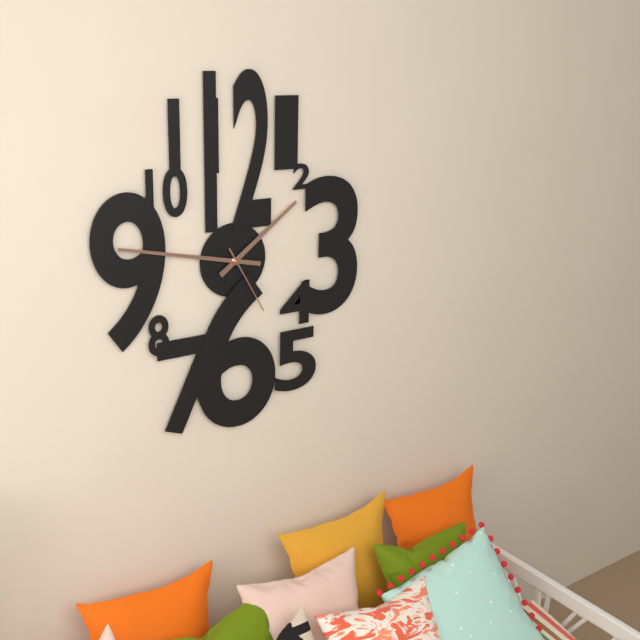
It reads 1:47:25
